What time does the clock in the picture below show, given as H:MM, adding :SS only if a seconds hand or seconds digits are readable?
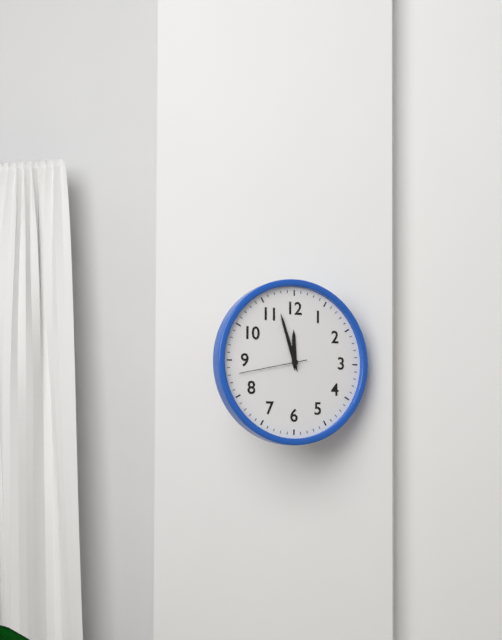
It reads 11:57:43
